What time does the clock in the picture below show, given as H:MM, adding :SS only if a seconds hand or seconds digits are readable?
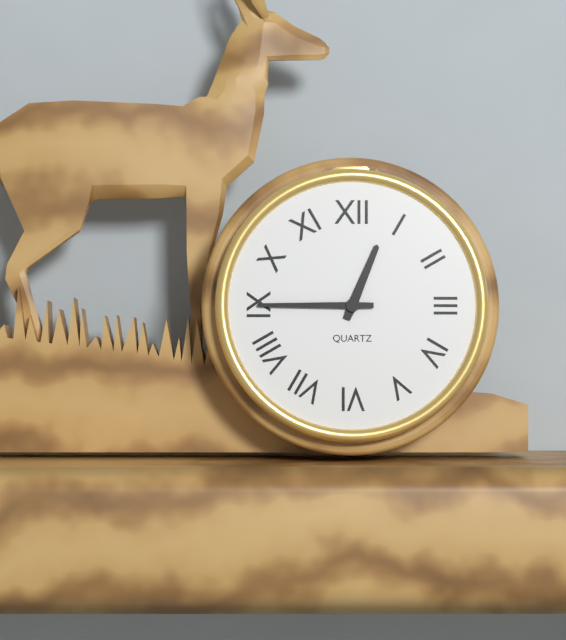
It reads 12:45
